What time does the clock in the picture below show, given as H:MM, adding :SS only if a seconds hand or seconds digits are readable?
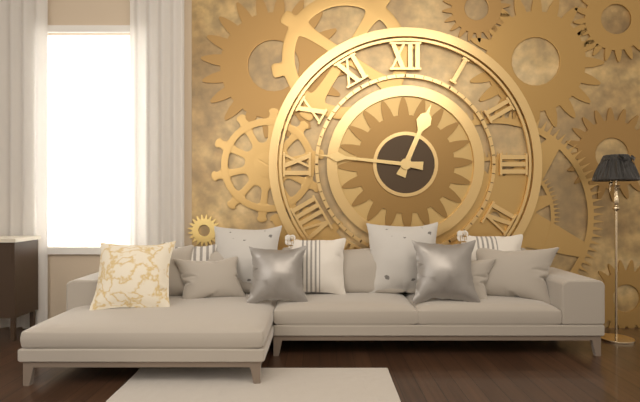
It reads 12:46
